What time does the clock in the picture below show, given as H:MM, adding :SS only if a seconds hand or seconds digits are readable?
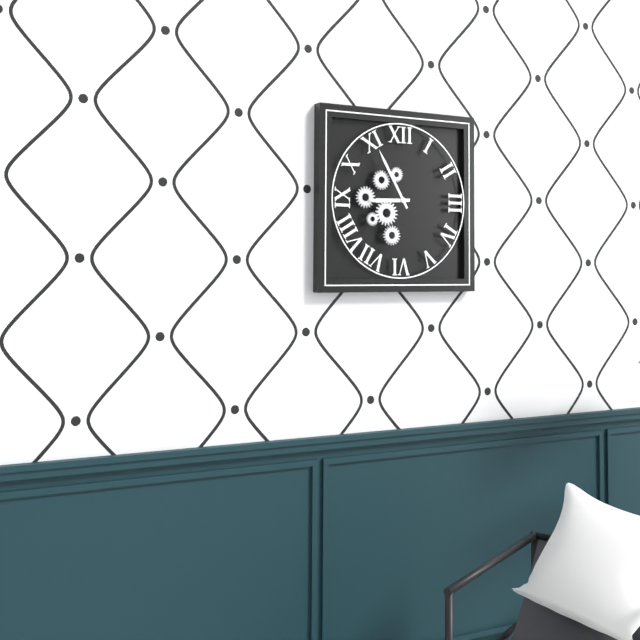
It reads 8:55
